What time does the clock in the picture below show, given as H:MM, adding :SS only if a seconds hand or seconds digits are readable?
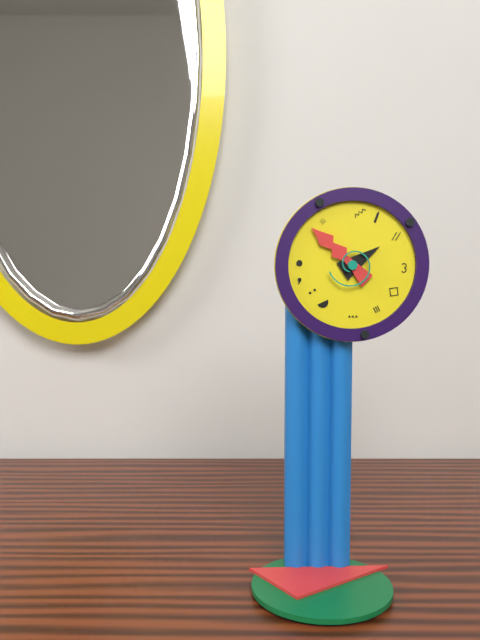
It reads 1:52
